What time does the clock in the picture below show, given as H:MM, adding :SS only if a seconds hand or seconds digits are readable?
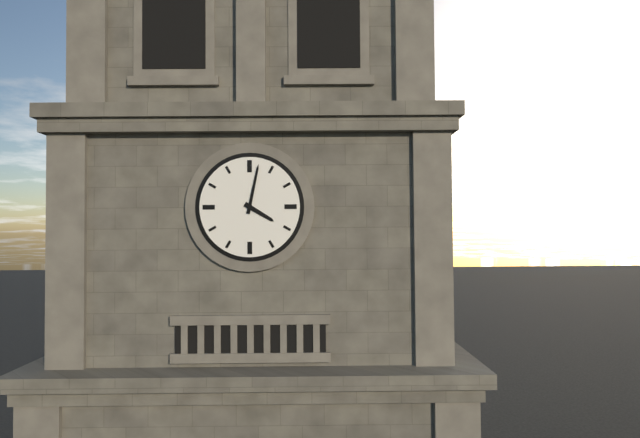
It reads 4:02
